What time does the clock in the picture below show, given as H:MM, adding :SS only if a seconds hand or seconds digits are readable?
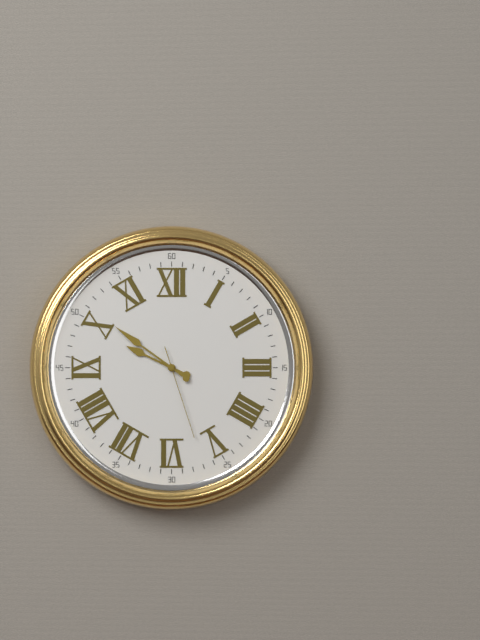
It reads 9:51:27
